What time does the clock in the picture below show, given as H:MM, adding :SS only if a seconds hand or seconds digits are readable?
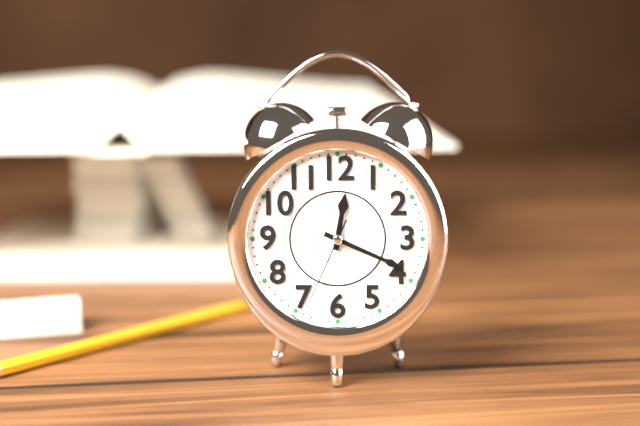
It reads 12:19:34
